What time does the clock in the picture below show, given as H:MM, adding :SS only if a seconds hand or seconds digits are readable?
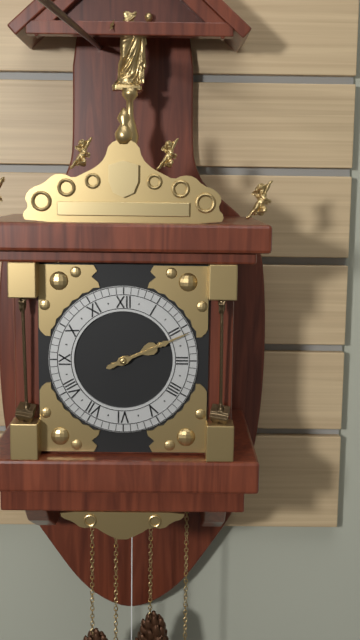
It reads 2:11
